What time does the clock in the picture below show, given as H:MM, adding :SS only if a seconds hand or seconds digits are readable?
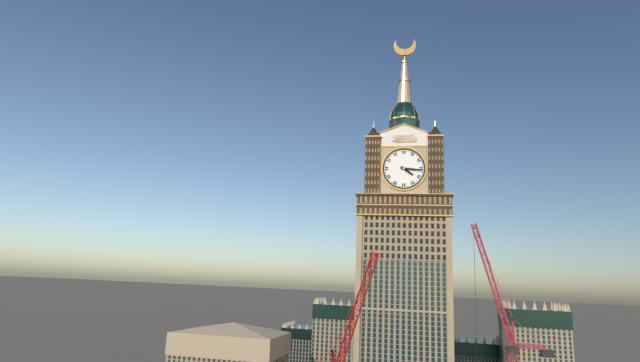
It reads 4:16
